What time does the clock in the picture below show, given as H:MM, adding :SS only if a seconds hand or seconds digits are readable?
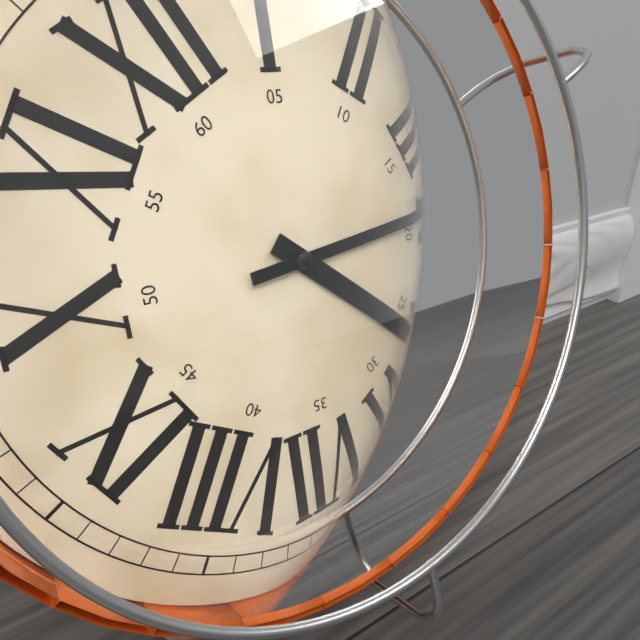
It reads 5:19
